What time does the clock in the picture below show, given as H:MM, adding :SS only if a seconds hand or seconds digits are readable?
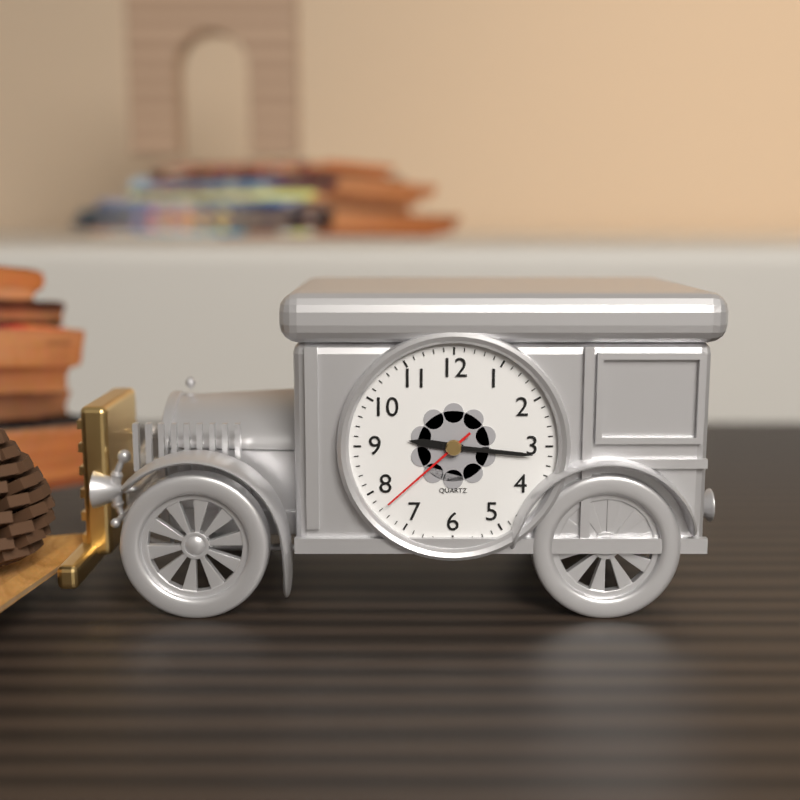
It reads 9:16:38
